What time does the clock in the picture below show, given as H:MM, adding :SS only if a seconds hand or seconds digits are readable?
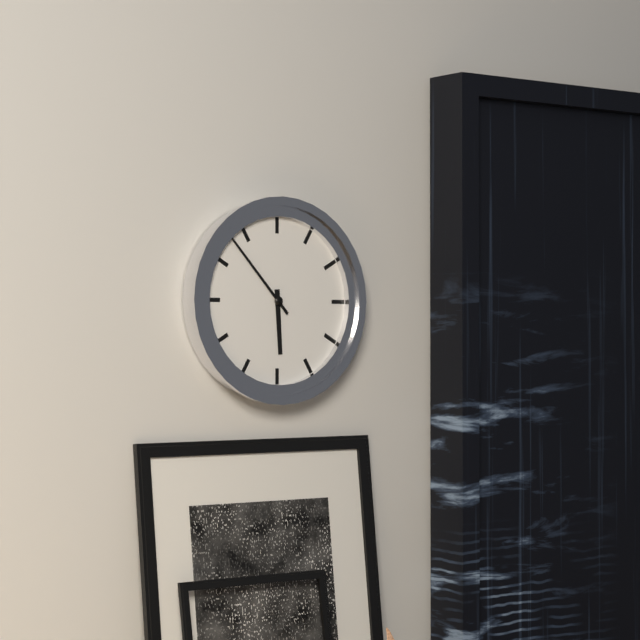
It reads 5:53
